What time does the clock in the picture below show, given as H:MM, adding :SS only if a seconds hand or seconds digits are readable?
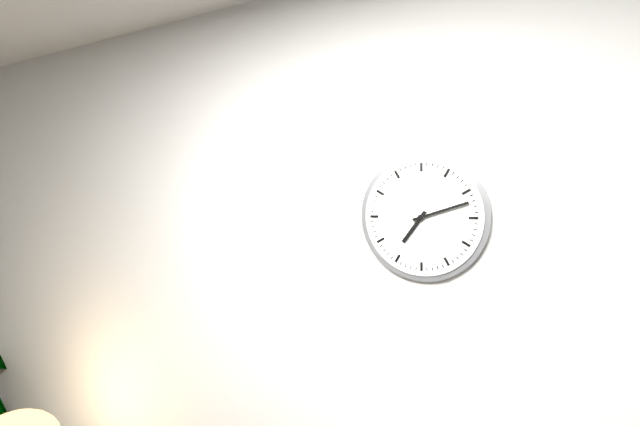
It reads 7:12
